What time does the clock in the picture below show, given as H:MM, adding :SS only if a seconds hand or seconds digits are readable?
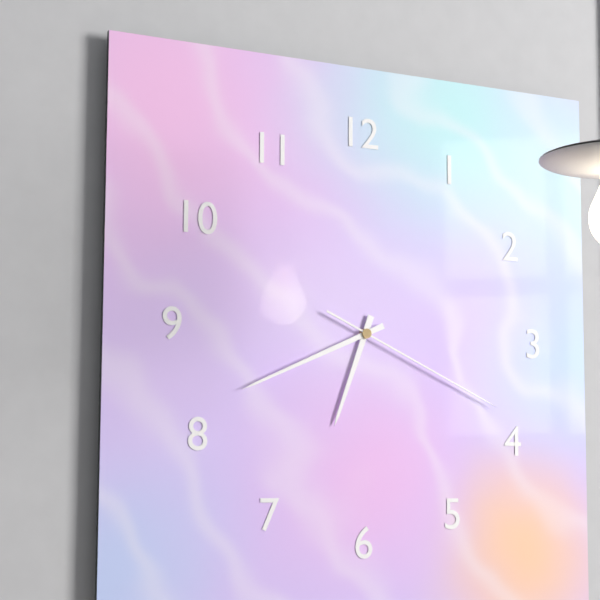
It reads 6:41:19
